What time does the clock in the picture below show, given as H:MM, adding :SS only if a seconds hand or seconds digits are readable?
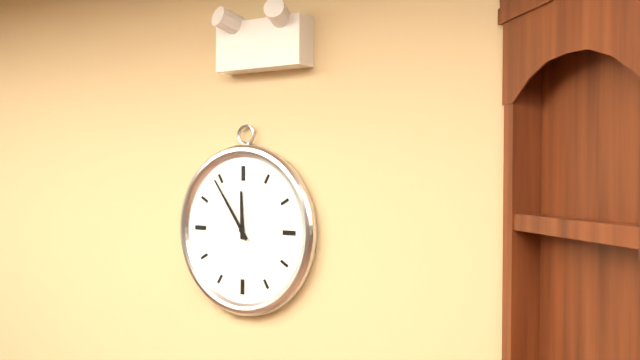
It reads 11:54
